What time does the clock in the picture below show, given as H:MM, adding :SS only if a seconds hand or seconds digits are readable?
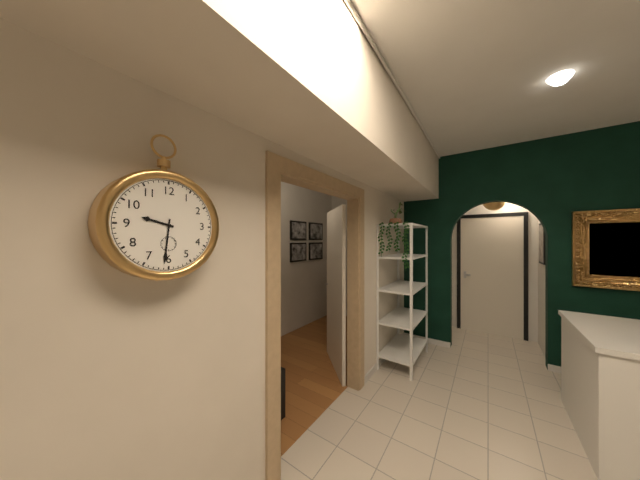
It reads 9:31
